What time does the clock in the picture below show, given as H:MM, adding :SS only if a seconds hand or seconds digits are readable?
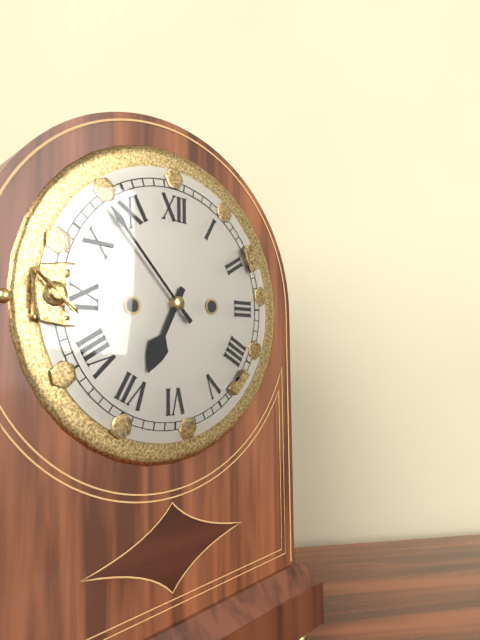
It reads 6:53
